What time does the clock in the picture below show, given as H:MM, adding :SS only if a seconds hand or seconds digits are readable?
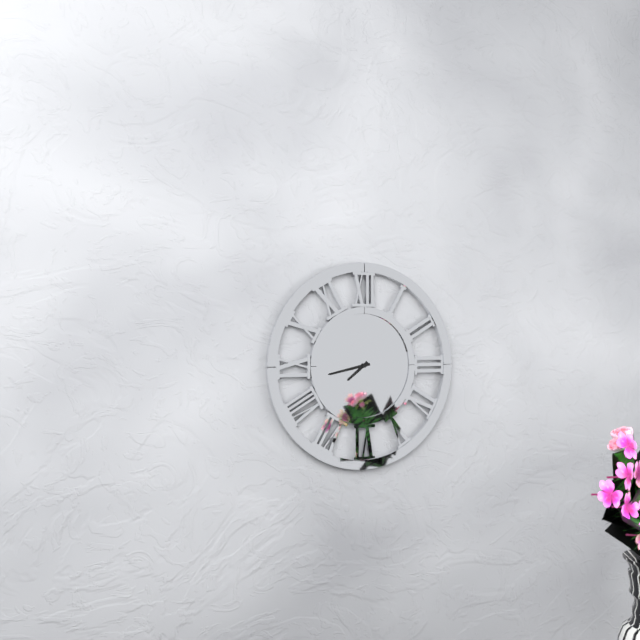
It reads 7:43
